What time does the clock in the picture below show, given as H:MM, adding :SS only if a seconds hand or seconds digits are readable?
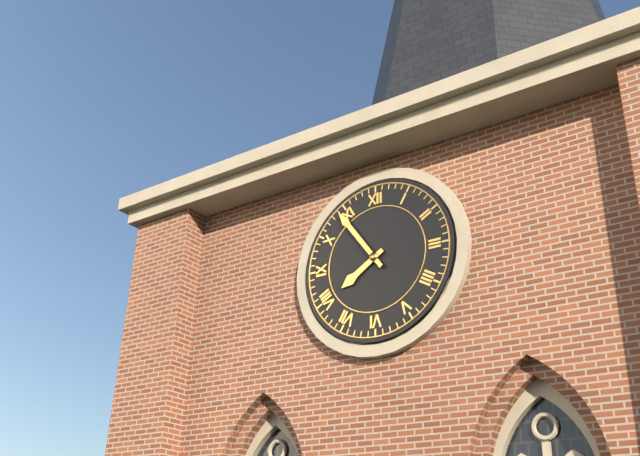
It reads 7:54
